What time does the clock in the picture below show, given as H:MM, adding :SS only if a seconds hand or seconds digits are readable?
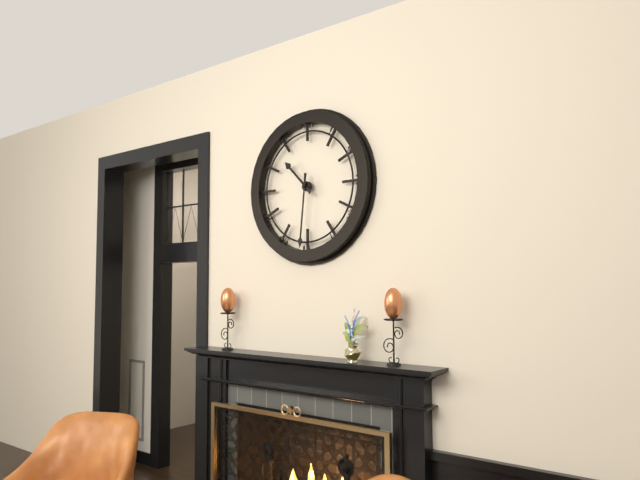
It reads 10:31
